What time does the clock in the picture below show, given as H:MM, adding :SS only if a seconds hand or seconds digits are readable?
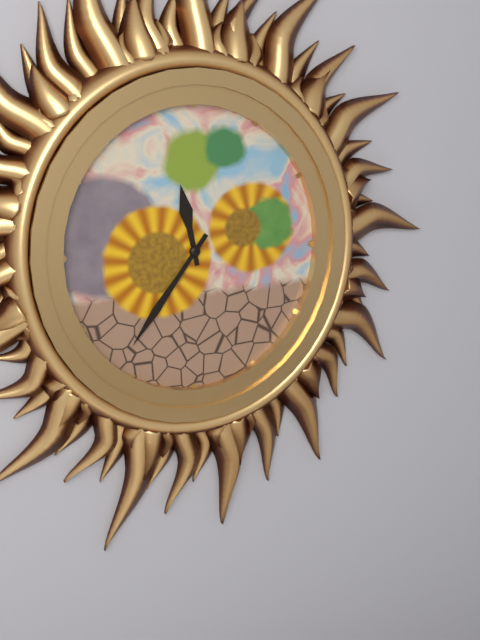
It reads 11:36
